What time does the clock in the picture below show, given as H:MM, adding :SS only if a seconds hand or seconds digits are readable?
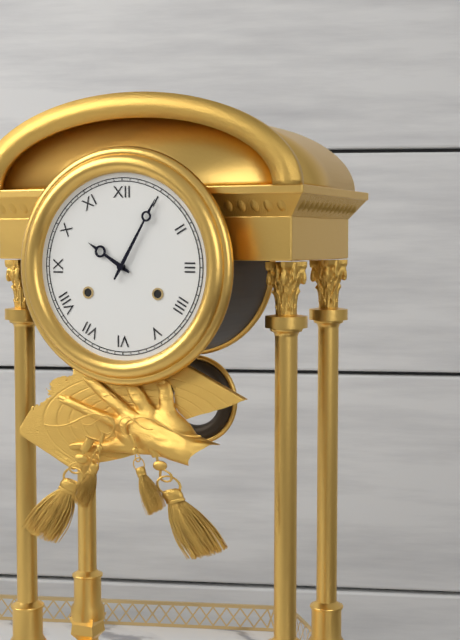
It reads 10:05
